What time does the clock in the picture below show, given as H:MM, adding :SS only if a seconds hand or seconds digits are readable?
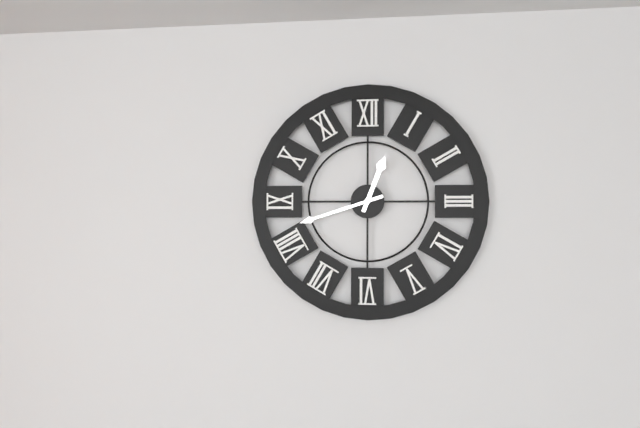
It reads 12:42
